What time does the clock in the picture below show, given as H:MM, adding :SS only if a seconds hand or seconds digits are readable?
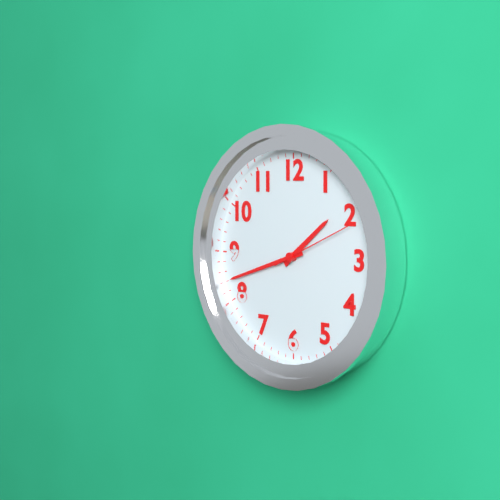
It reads 1:42:11
